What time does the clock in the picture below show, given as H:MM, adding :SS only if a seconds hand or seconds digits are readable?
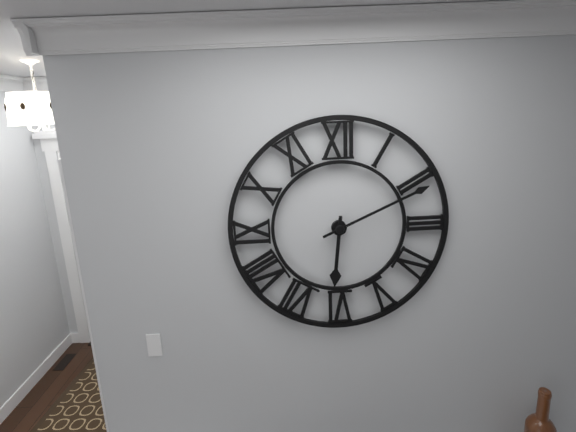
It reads 6:11
